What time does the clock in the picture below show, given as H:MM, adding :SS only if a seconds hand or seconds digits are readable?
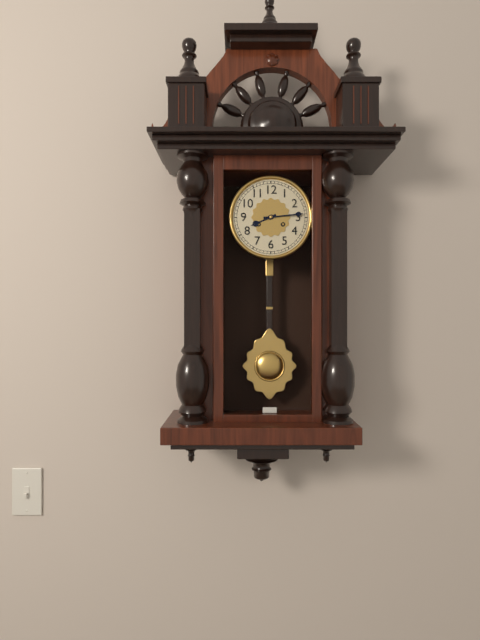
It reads 8:14
